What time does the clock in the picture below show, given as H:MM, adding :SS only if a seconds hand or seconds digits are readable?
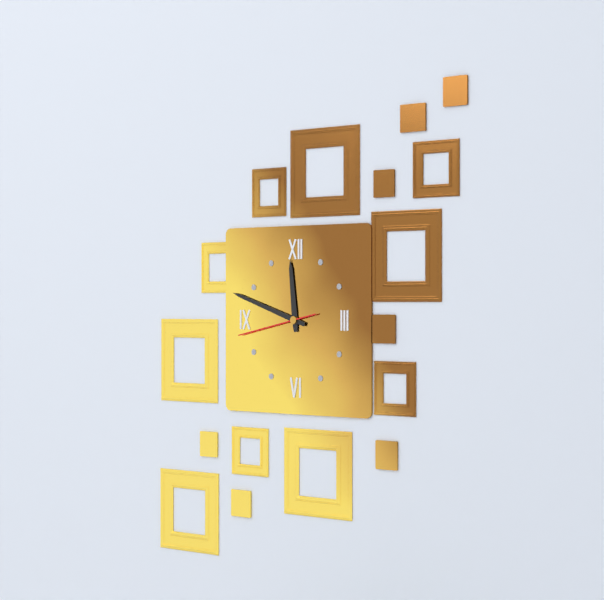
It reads 11:48:43
